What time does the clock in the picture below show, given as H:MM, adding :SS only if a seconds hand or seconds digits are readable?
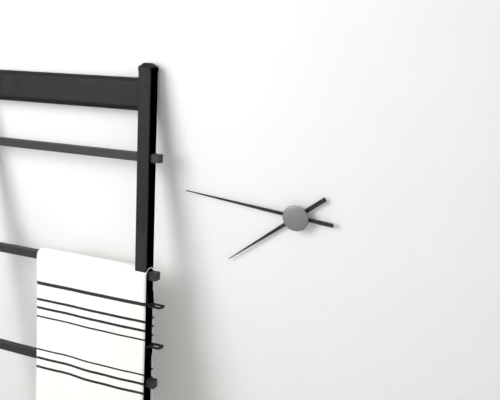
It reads 7:46
